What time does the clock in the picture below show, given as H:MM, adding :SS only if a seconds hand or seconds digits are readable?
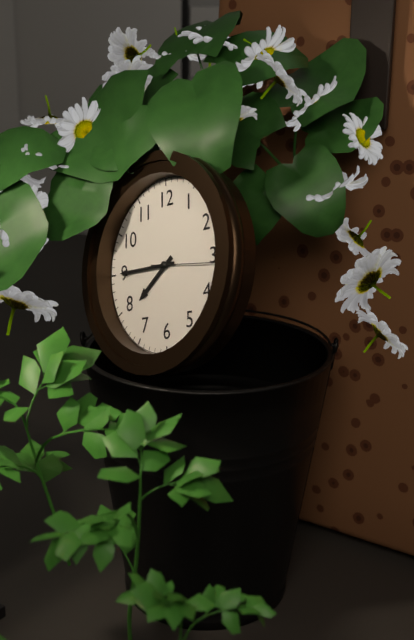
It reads 7:45:16
